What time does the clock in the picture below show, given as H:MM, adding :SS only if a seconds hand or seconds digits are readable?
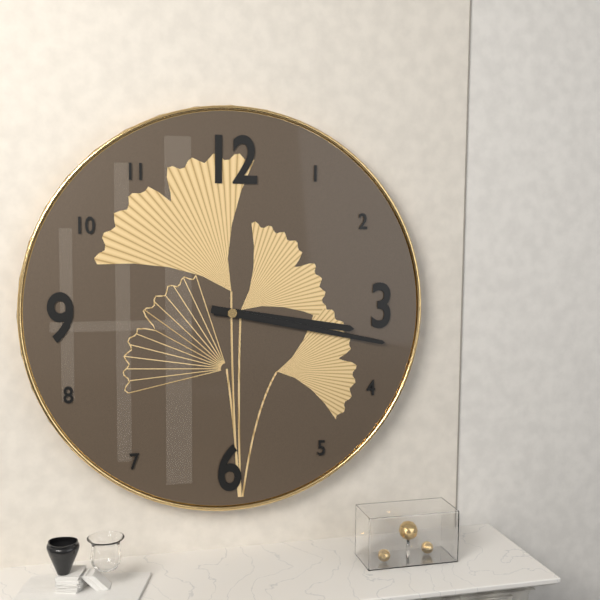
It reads 3:17
